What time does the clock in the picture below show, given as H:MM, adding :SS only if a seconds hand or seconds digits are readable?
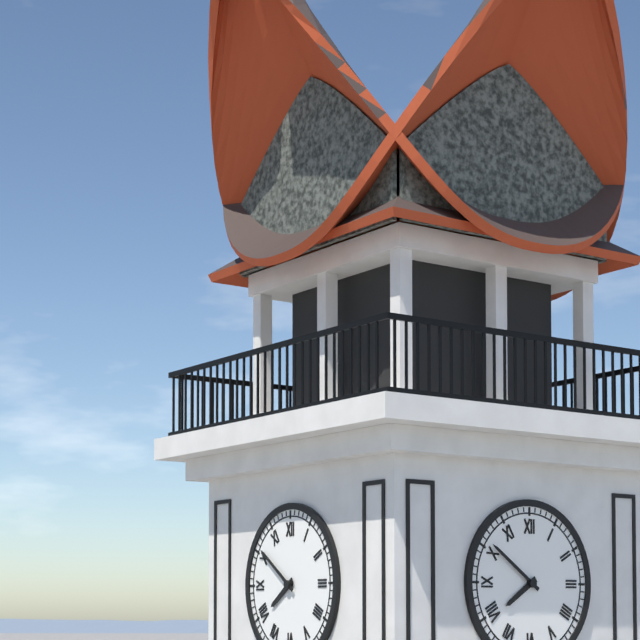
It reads 7:51
